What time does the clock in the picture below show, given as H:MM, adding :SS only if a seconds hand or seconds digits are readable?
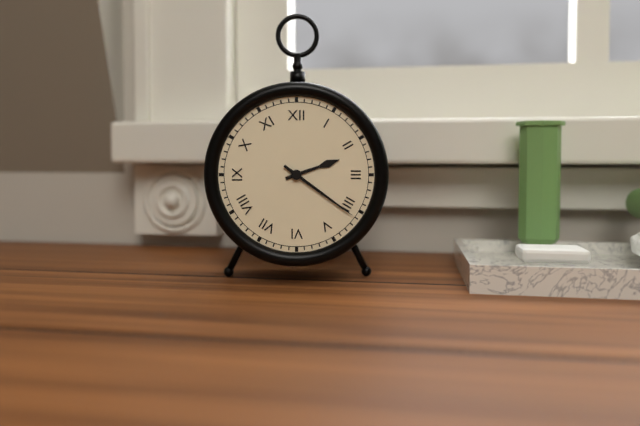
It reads 2:21
